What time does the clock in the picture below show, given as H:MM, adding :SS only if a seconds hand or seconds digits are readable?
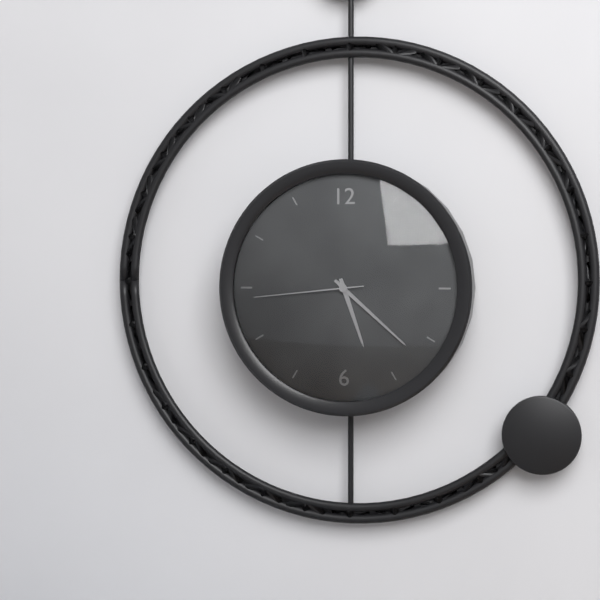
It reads 5:22:44
